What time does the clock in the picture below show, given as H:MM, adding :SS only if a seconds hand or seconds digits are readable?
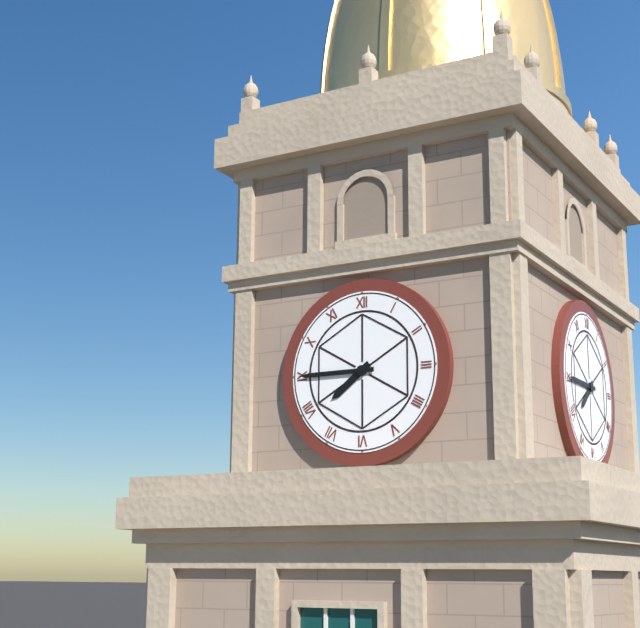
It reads 7:45
